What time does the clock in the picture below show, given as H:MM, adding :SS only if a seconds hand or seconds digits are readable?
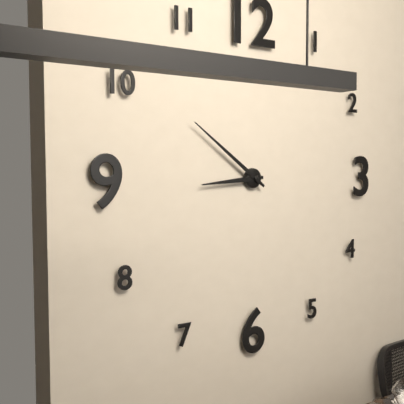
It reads 8:51
